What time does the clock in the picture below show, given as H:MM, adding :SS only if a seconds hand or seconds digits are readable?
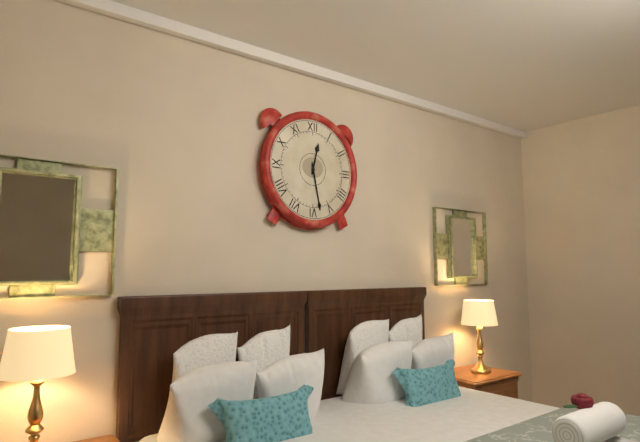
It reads 12:28
